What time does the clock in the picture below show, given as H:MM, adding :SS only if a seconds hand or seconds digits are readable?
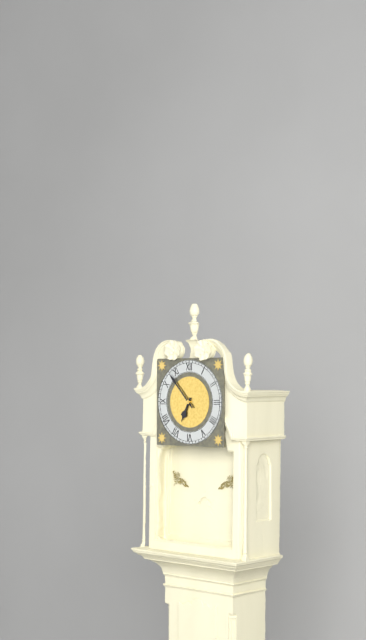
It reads 6:53
